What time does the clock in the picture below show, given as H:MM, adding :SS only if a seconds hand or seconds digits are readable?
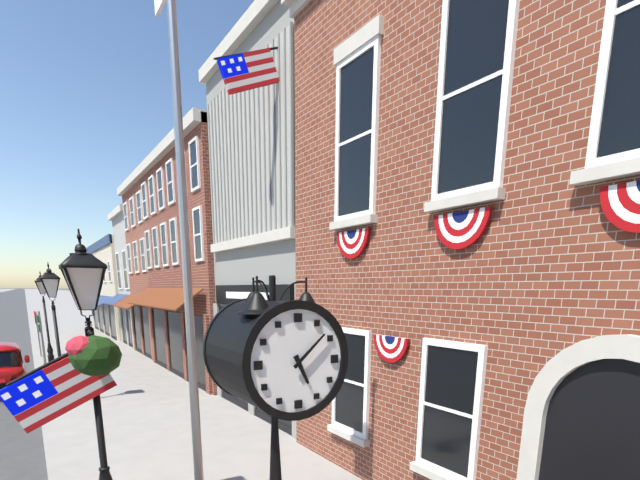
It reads 5:08
